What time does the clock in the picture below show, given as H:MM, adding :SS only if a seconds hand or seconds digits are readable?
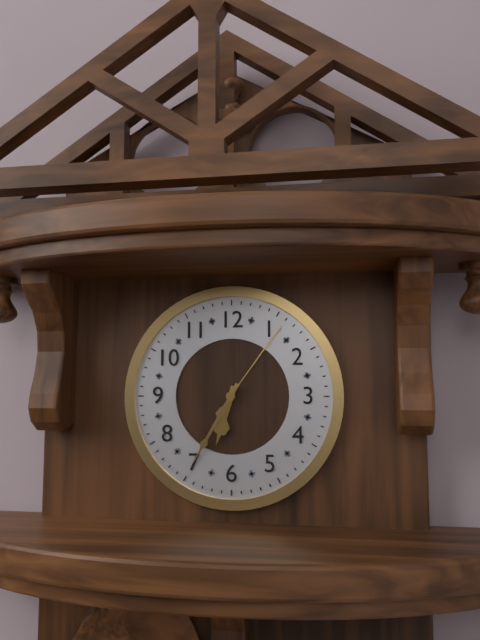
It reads 6:35:06
